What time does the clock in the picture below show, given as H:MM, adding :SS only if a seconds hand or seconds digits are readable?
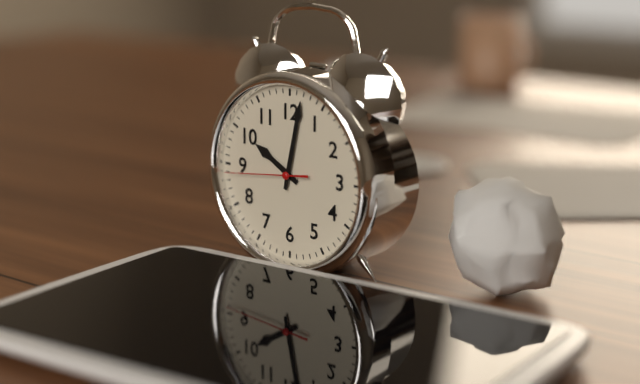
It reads 10:02:44
